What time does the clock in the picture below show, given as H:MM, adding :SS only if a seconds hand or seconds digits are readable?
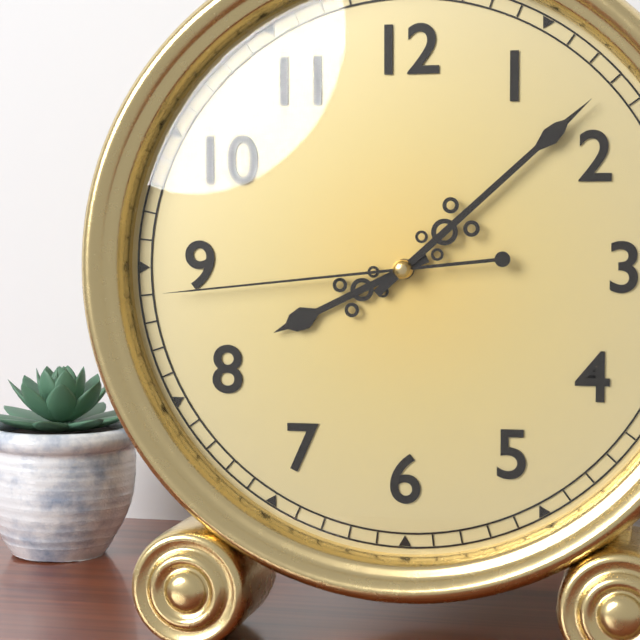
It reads 8:08:44
